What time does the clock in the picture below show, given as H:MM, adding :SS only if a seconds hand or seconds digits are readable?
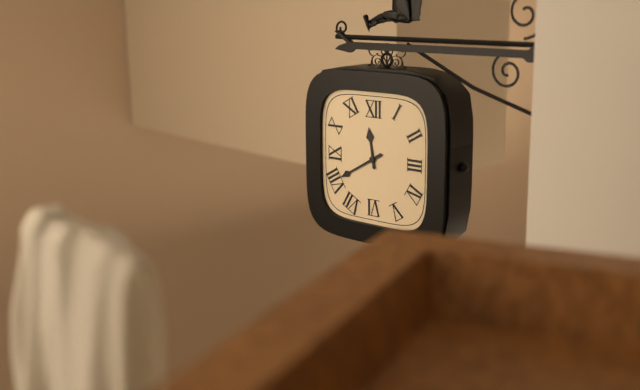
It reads 11:40
